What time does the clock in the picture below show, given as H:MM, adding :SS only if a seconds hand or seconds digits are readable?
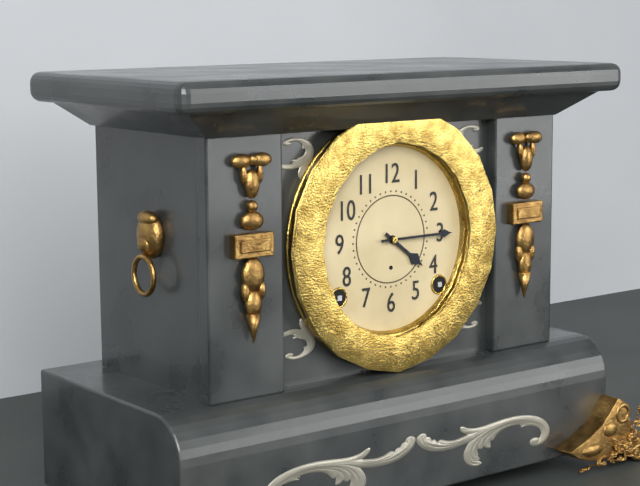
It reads 4:15
